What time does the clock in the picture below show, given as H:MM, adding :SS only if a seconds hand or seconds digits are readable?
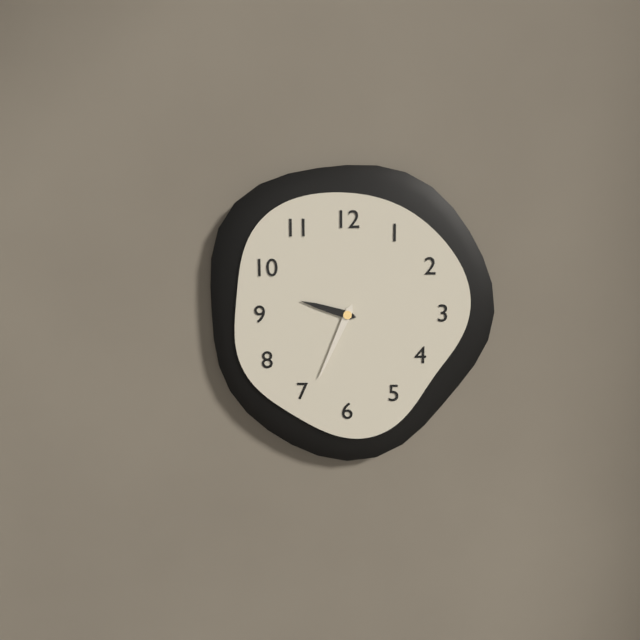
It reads 9:34
